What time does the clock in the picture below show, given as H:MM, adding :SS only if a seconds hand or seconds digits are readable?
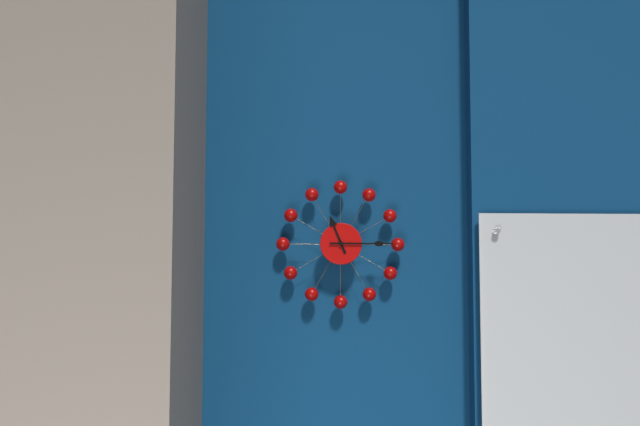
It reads 11:15
